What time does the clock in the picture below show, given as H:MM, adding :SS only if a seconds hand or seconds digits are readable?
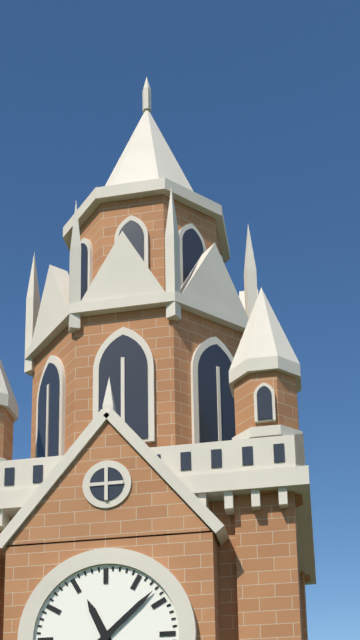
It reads 11:08
